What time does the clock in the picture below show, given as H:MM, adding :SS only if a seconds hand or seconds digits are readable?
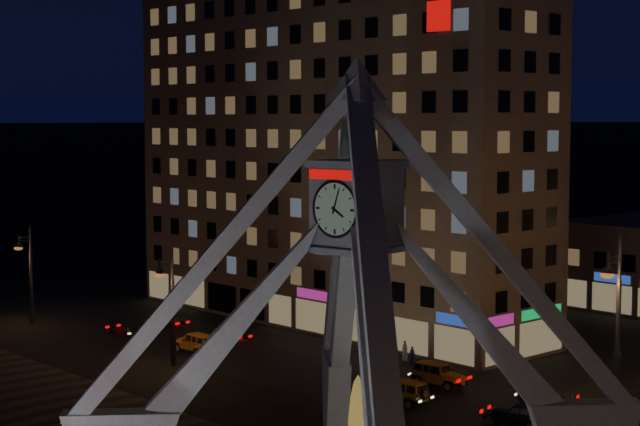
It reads 4:03
